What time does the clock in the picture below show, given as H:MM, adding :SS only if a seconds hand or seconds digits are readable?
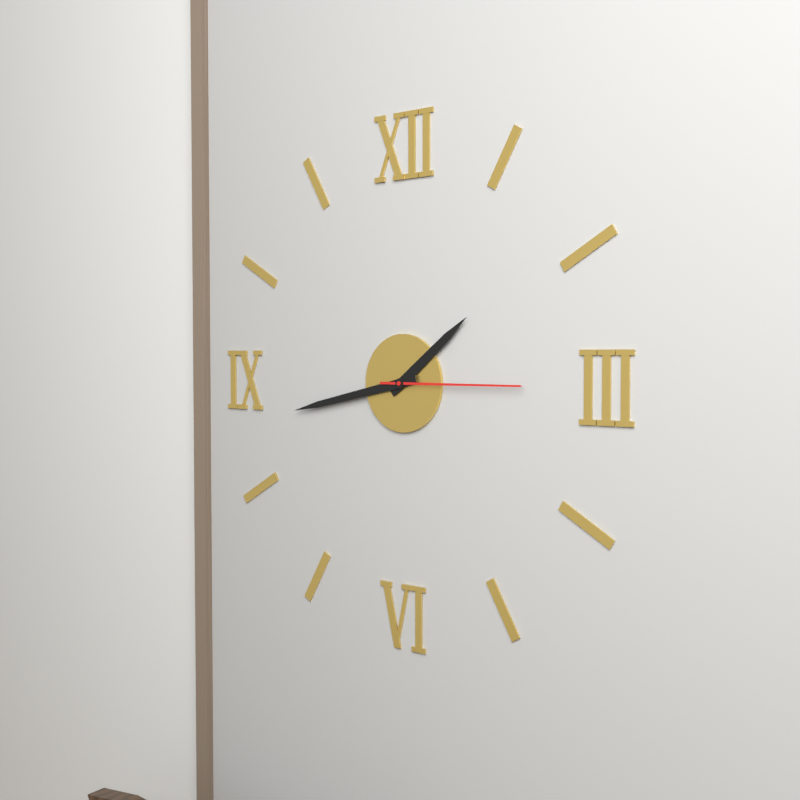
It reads 1:43:15
